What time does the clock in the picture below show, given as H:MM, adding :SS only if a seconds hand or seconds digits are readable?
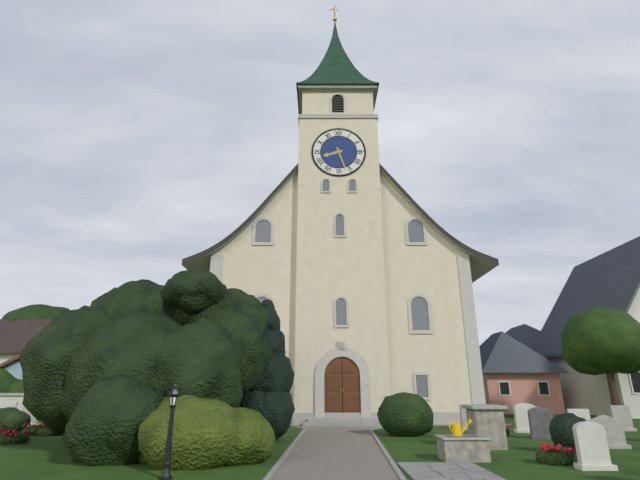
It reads 8:27
